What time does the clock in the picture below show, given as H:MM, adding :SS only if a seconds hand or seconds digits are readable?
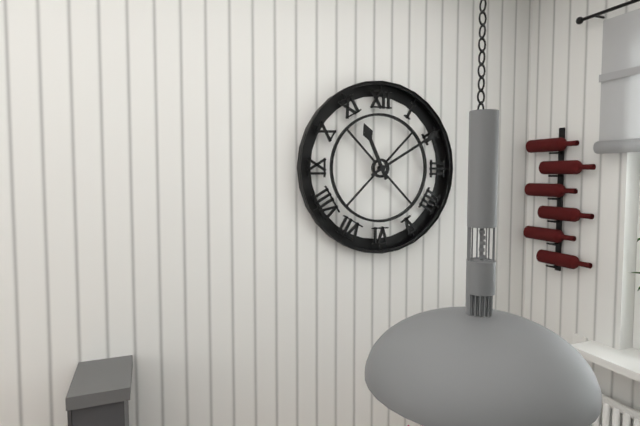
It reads 11:10
